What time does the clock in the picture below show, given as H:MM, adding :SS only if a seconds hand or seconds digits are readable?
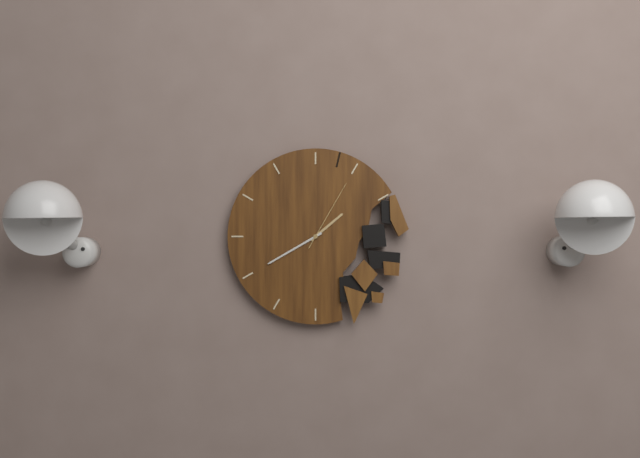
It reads 1:40:05
